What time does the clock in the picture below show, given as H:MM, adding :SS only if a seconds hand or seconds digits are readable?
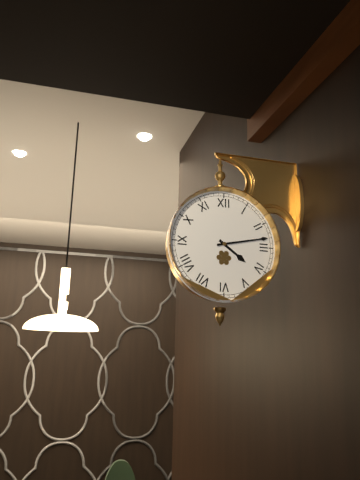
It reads 4:13
